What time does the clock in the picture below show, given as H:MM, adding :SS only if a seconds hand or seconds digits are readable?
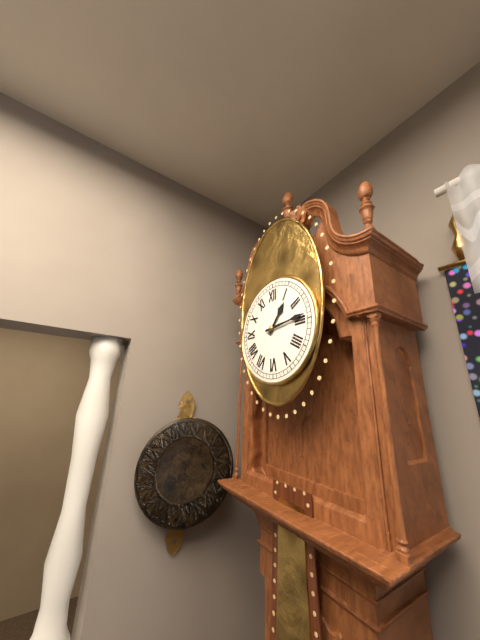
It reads 1:14
